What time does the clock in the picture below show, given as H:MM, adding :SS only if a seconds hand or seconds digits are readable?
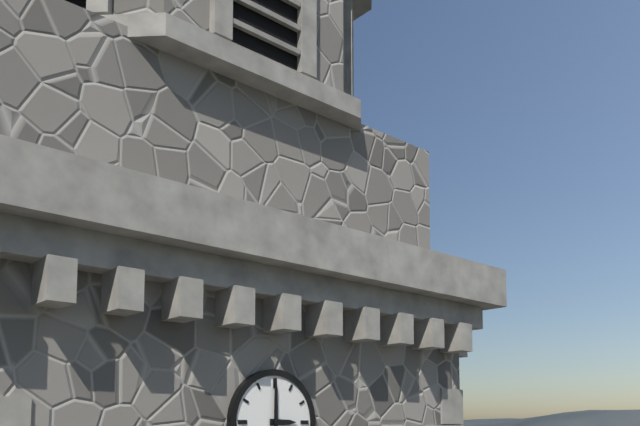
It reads 3:00
